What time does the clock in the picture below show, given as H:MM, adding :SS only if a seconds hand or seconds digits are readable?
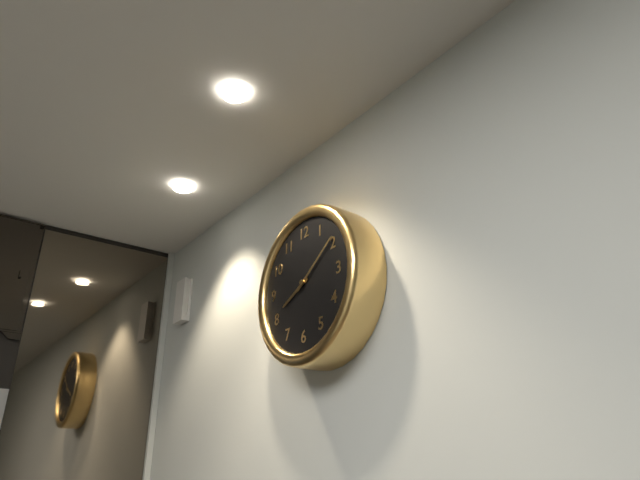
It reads 8:09
